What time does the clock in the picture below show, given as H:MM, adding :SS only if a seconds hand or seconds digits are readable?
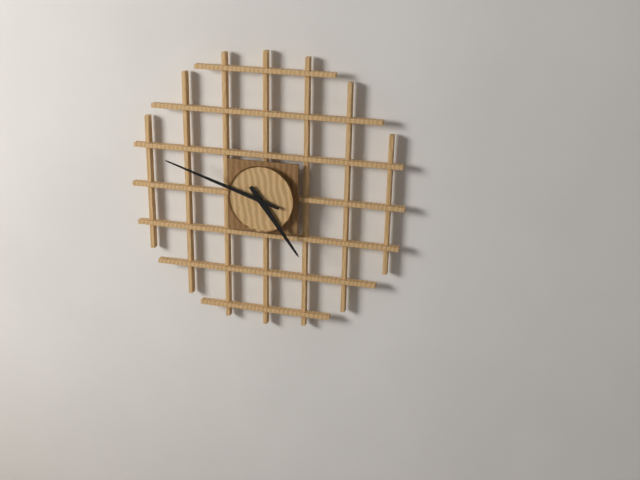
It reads 4:48
